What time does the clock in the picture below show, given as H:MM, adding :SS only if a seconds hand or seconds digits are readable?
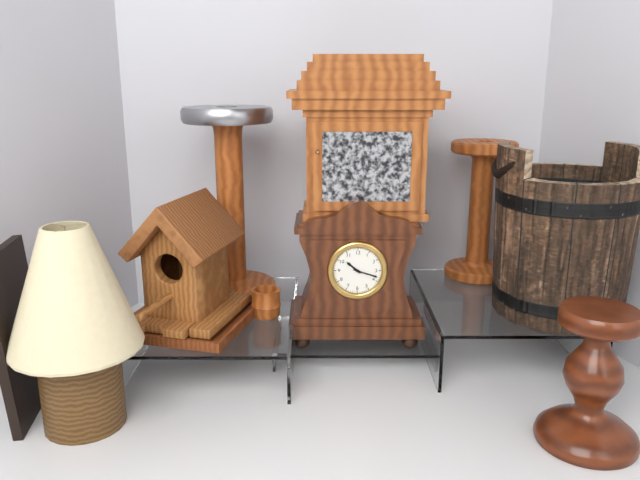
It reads 10:18
